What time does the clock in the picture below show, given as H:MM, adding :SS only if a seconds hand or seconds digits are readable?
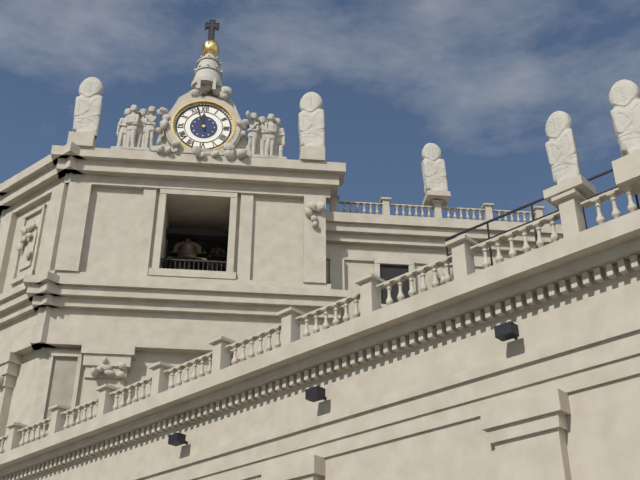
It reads 11:57
